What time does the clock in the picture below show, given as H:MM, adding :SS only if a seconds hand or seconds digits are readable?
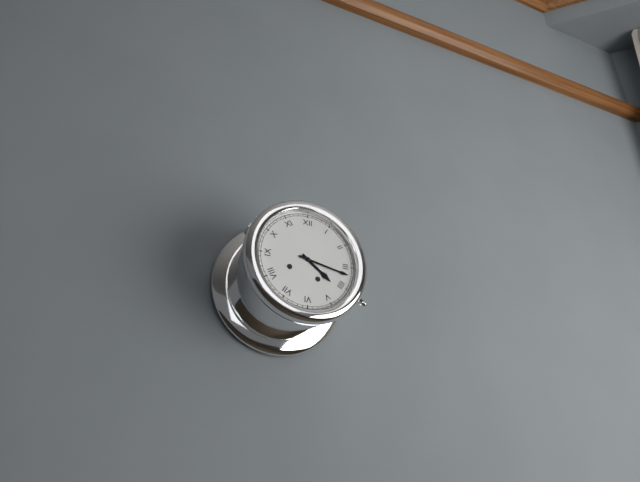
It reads 4:17
